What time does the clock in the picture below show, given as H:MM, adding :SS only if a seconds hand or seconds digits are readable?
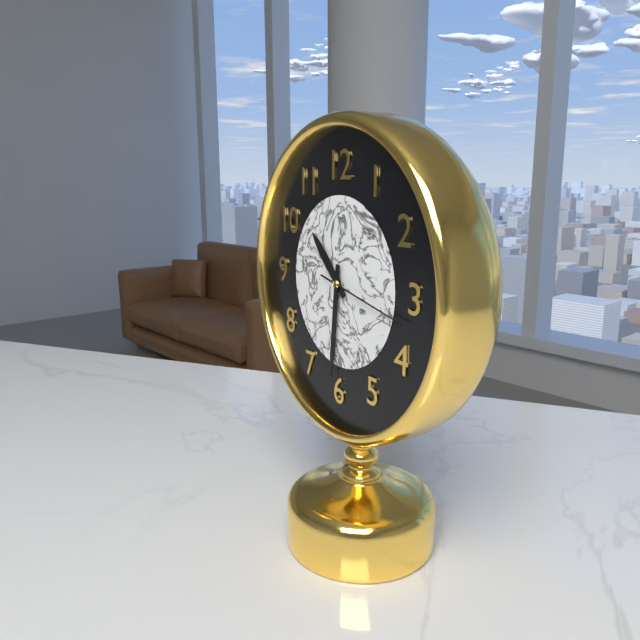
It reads 10:31:17
